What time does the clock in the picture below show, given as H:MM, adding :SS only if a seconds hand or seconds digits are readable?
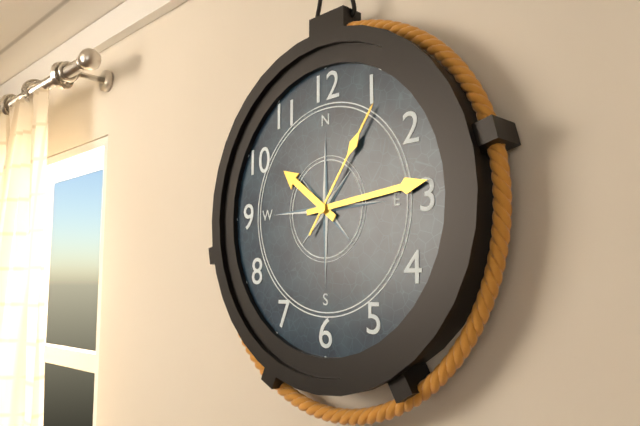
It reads 10:14:06
